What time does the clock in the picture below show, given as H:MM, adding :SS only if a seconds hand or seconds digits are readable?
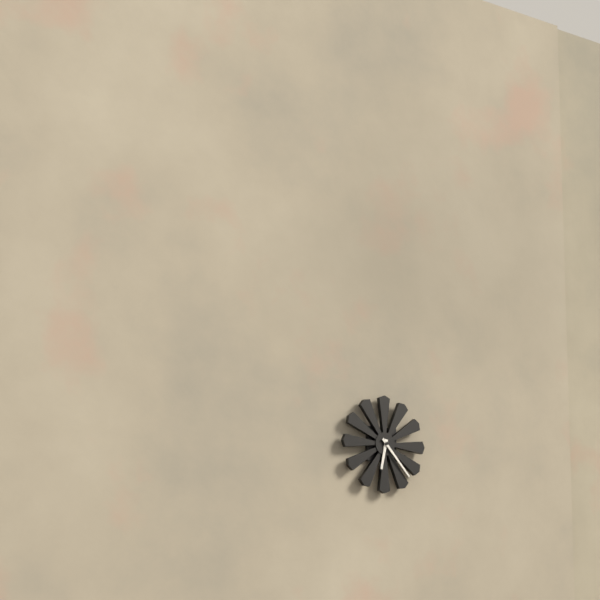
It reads 6:23
